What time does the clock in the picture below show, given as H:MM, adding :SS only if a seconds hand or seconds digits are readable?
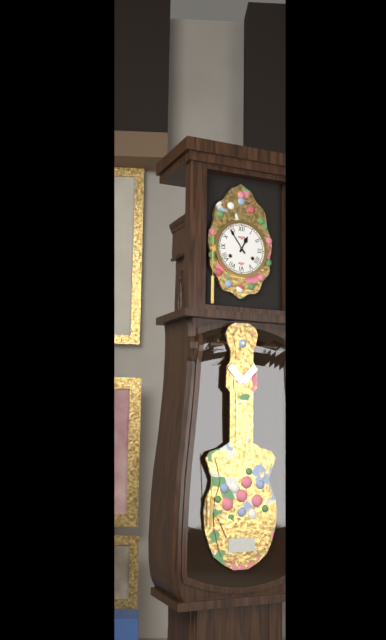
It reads 12:54
